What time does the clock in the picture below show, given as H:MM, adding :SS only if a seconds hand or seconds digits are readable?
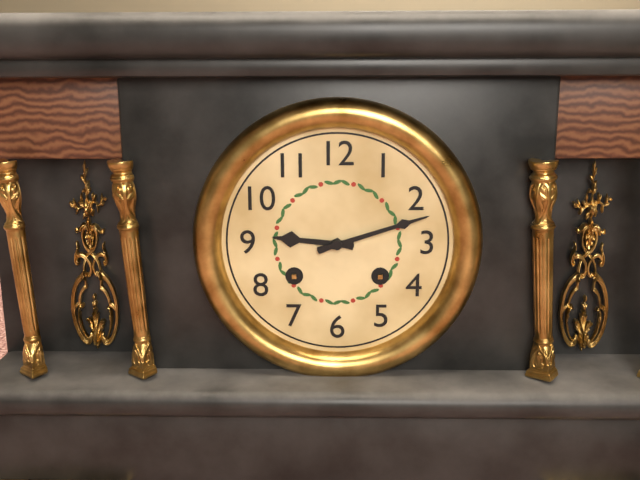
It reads 9:12
